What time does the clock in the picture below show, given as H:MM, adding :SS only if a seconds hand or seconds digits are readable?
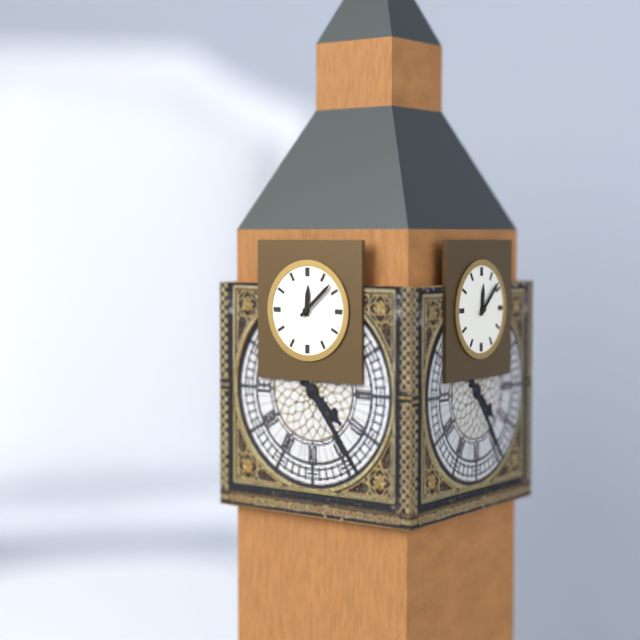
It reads 12:08
